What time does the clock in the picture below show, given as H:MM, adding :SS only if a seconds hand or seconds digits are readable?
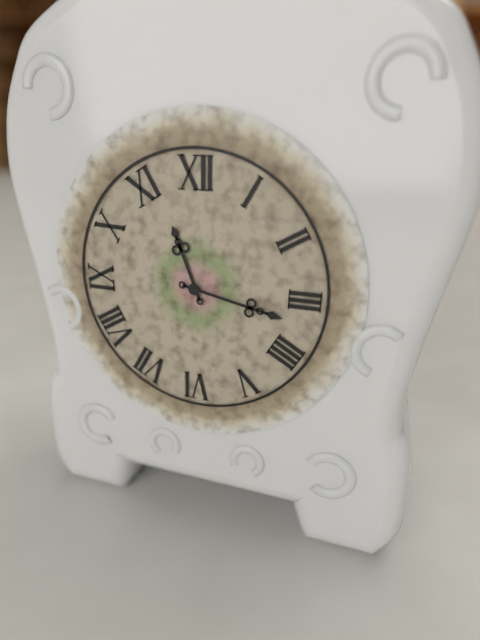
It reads 11:17
